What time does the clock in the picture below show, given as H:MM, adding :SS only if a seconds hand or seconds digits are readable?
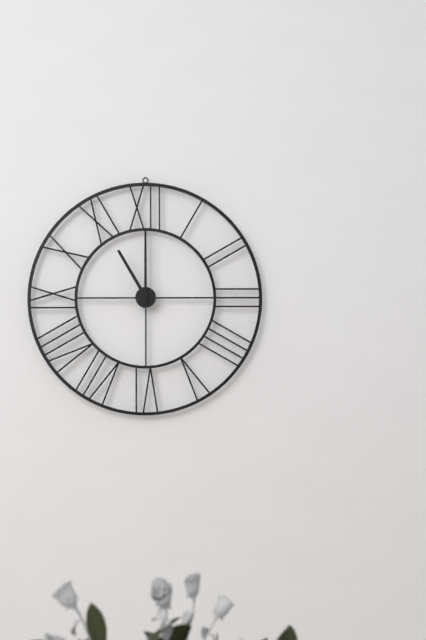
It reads 11:00
